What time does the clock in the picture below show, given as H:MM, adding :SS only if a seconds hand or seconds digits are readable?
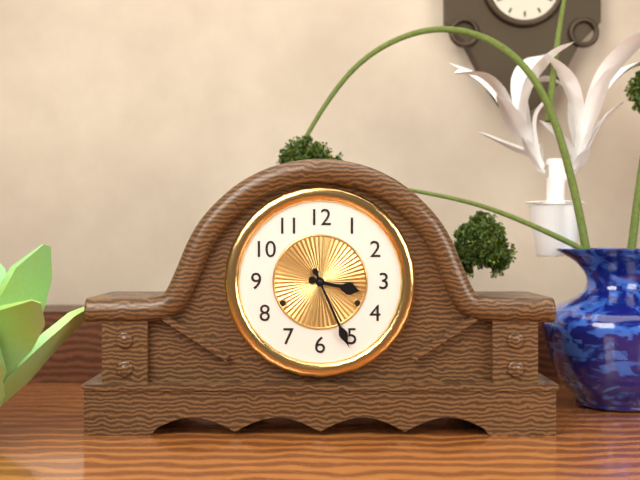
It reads 3:26
